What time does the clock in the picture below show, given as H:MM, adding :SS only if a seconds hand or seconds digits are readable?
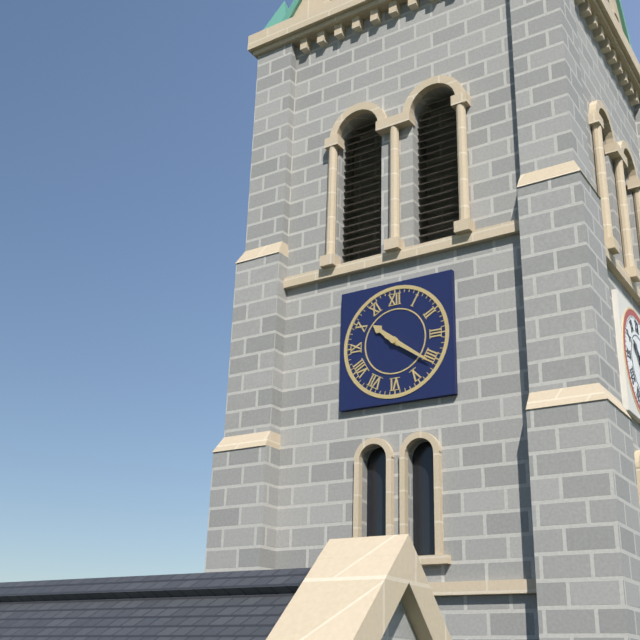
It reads 10:21
